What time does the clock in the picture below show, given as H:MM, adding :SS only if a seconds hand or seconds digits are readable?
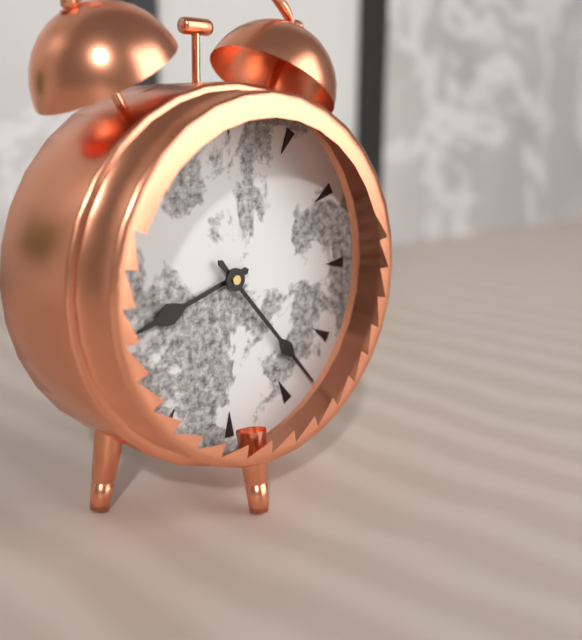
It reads 8:23
